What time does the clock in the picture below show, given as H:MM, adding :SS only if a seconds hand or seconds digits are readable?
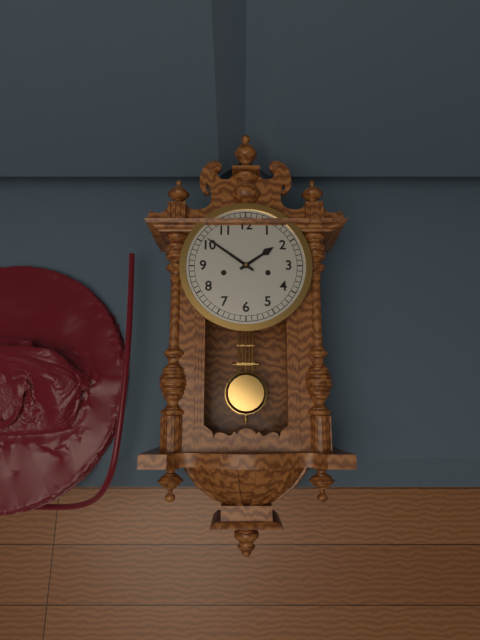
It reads 1:51
